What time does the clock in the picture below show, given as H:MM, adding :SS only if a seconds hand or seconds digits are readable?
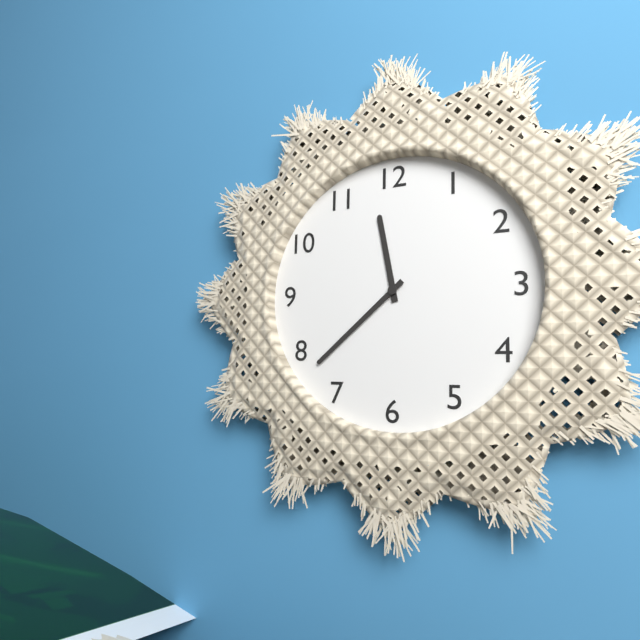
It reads 11:38
